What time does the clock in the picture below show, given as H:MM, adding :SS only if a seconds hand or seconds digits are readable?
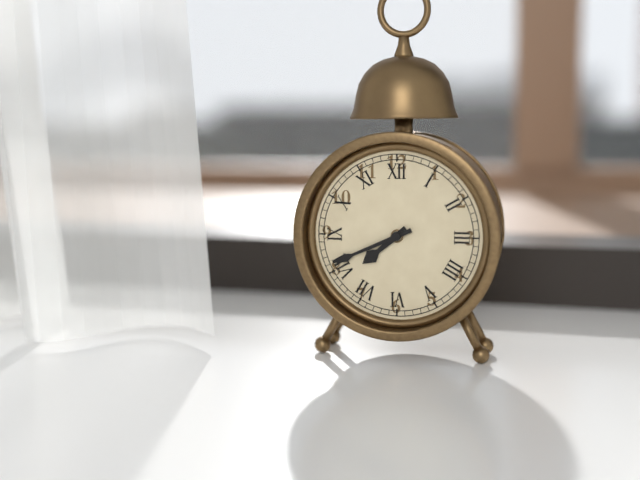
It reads 7:41
